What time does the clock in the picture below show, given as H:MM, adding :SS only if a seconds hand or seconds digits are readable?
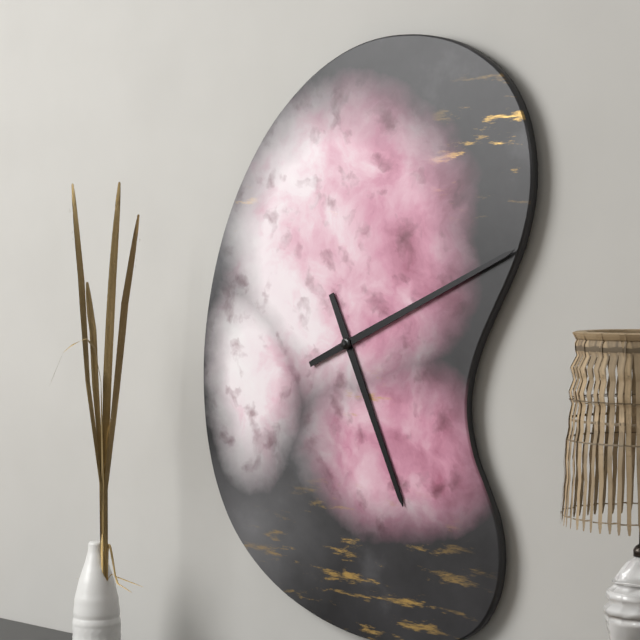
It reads 5:11
